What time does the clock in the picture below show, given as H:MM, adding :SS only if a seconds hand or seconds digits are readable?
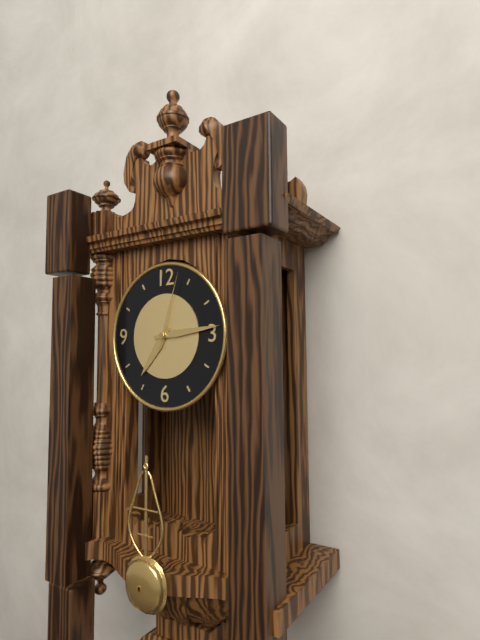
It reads 7:14:03
